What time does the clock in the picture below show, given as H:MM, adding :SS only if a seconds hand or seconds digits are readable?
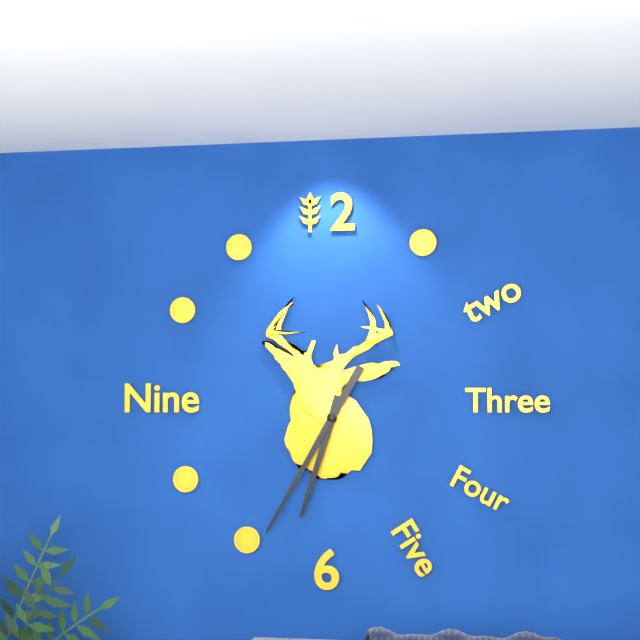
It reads 6:35
